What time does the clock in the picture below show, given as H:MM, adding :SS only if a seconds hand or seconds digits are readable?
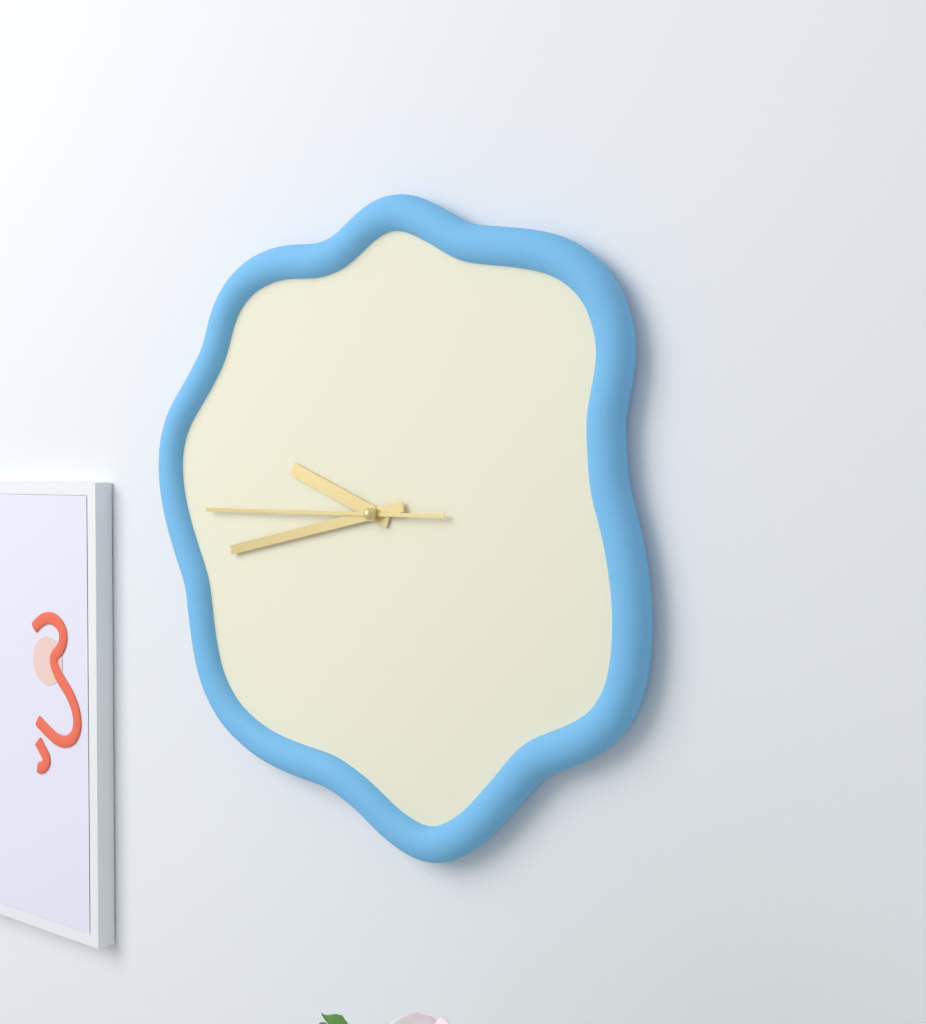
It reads 9:43:45
